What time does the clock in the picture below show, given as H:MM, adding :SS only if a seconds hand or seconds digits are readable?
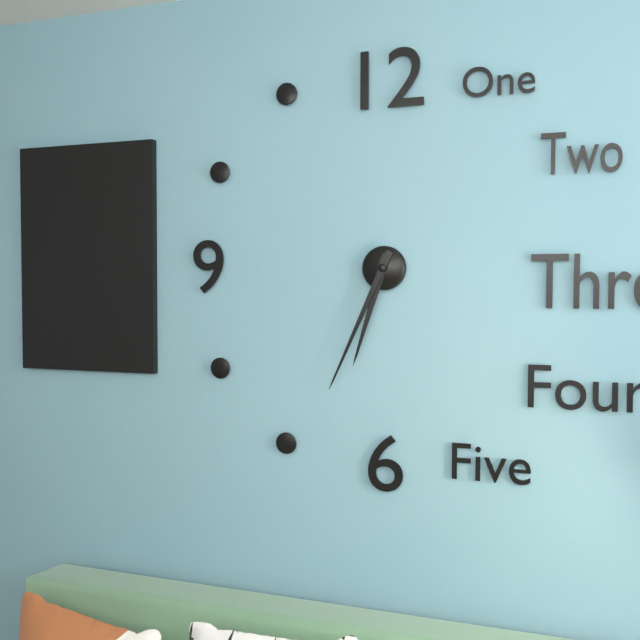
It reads 6:34
